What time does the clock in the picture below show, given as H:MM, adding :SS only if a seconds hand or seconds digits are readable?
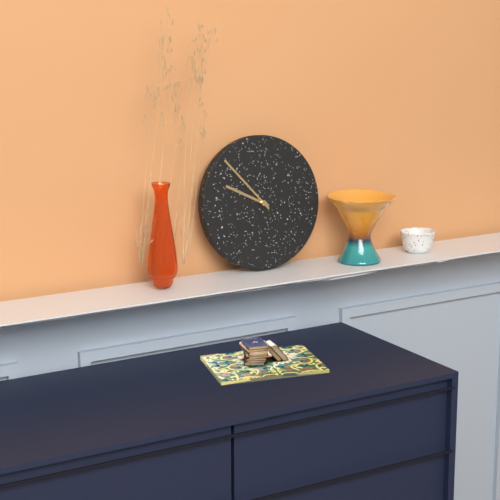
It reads 9:53
